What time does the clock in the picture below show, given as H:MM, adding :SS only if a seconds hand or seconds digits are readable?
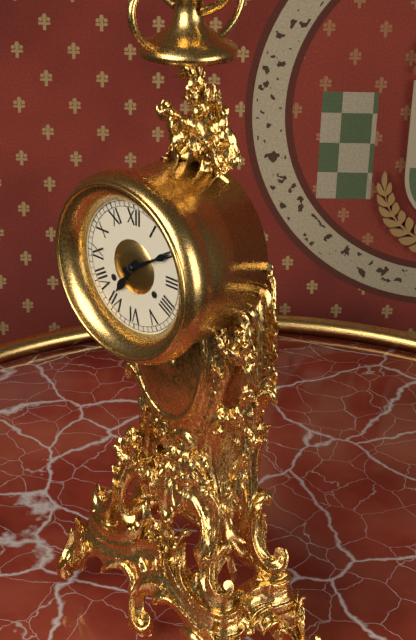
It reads 7:10
